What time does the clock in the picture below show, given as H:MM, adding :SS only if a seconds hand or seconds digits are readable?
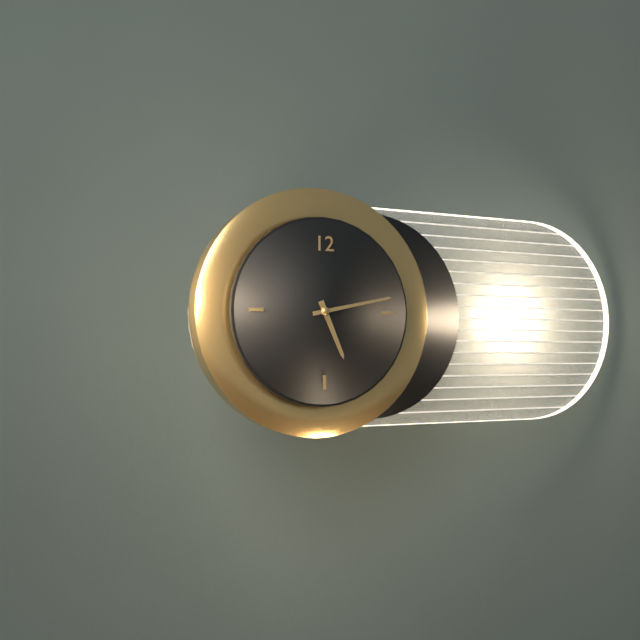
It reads 5:13
